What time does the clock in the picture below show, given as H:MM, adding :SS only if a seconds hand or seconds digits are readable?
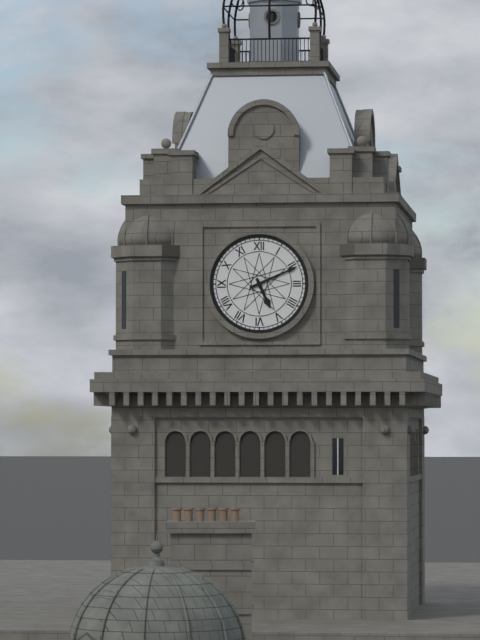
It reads 5:11
